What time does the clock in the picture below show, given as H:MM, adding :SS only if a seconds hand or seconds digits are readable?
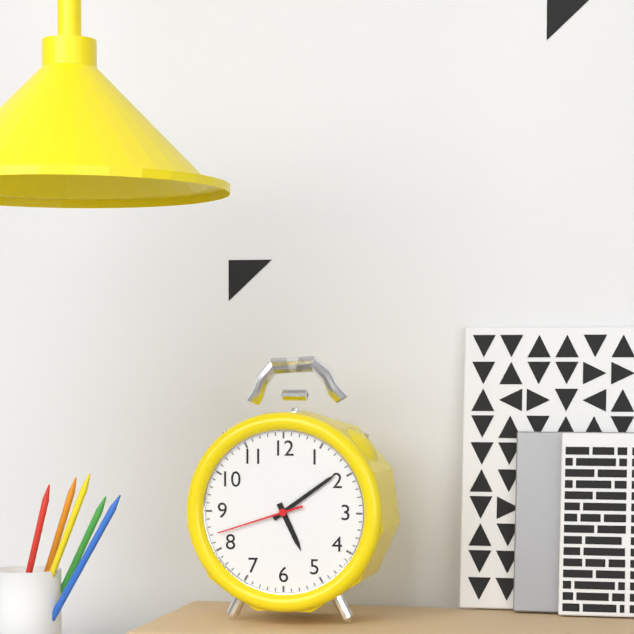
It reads 5:09:42
